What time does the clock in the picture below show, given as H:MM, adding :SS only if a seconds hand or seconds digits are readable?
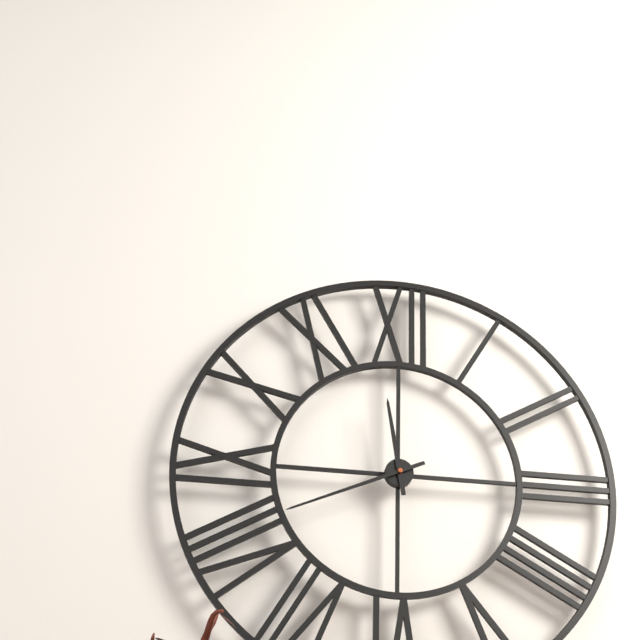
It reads 11:41
